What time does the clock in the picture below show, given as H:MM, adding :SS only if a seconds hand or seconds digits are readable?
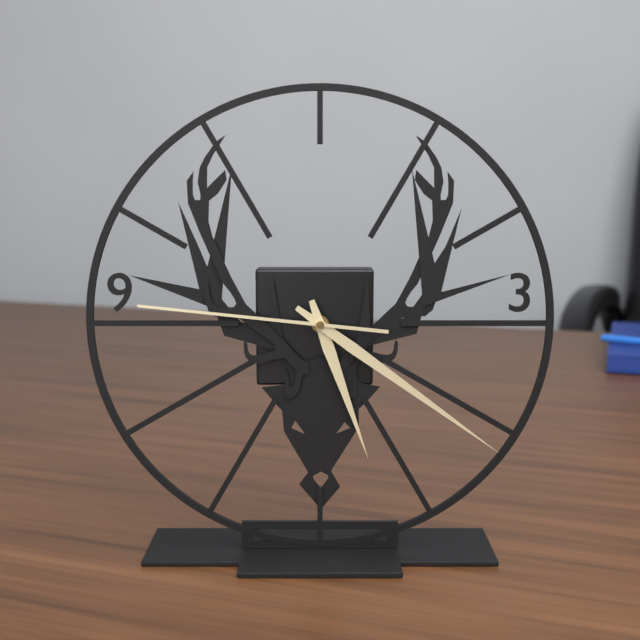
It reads 5:21:46
